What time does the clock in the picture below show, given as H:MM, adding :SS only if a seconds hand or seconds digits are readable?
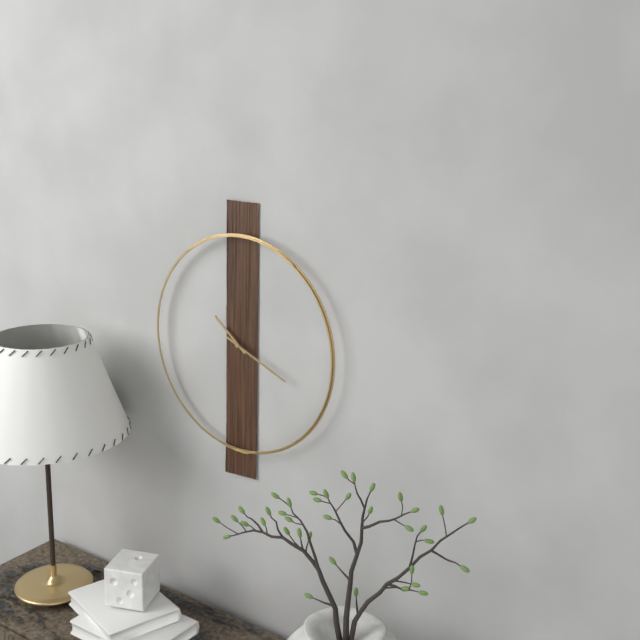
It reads 10:19
